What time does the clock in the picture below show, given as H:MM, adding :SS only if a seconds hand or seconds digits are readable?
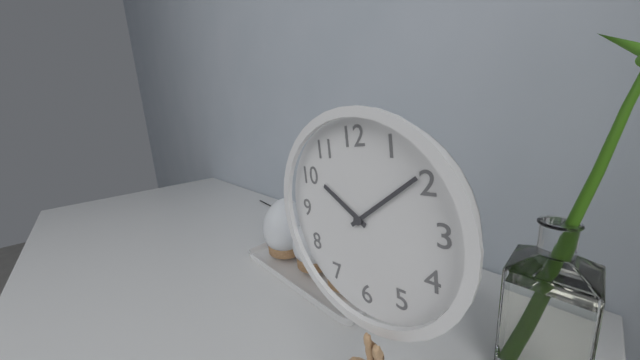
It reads 10:09
